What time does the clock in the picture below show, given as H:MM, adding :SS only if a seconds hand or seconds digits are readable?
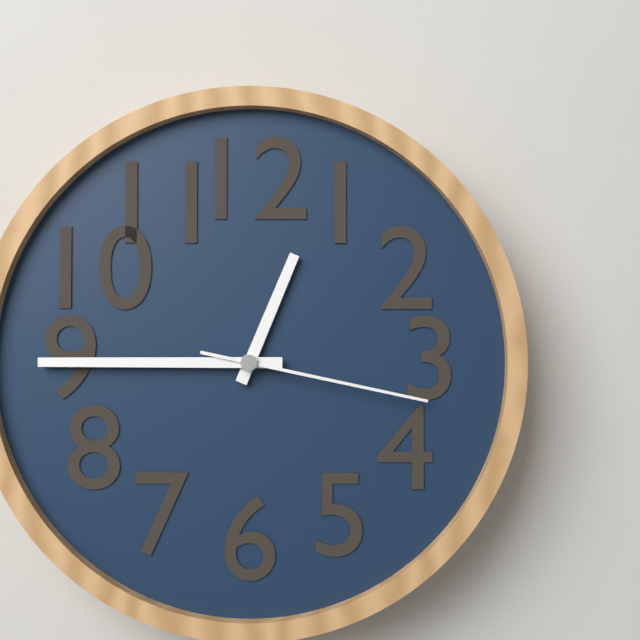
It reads 12:45:17
